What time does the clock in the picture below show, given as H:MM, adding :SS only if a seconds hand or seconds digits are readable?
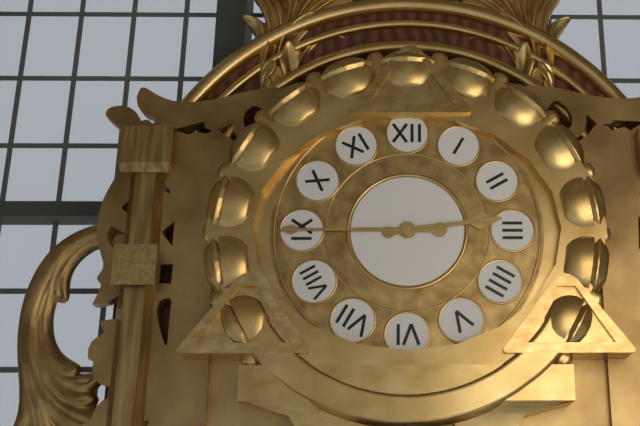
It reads 2:45
